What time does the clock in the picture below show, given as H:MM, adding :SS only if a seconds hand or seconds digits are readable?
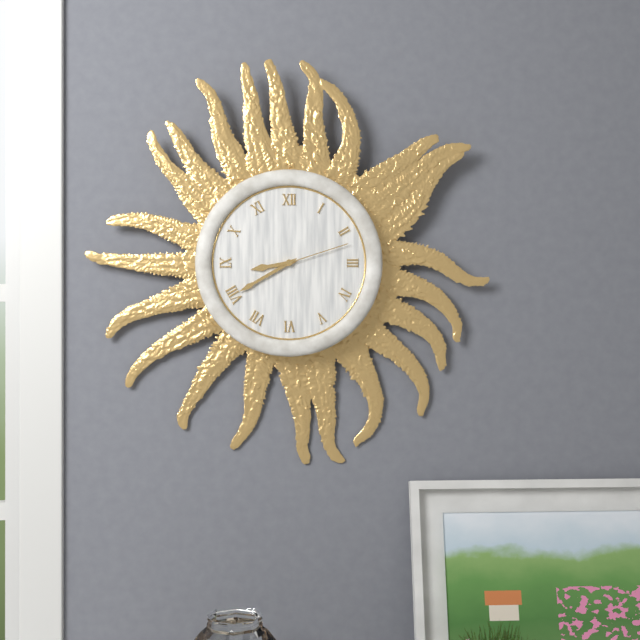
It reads 8:40:12
